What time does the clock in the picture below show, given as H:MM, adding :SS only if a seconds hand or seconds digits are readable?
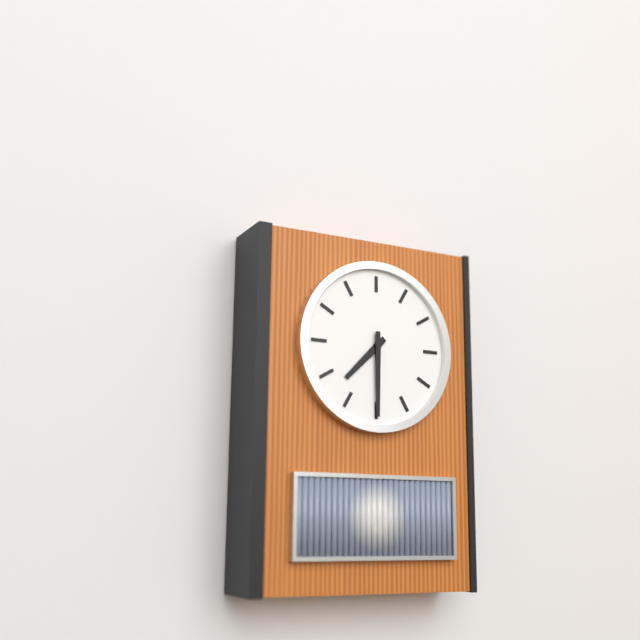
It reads 7:30
